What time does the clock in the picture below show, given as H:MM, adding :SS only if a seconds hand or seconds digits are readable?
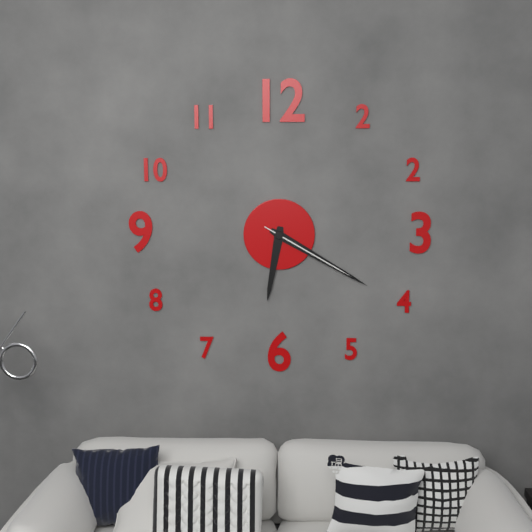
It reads 6:20:20
